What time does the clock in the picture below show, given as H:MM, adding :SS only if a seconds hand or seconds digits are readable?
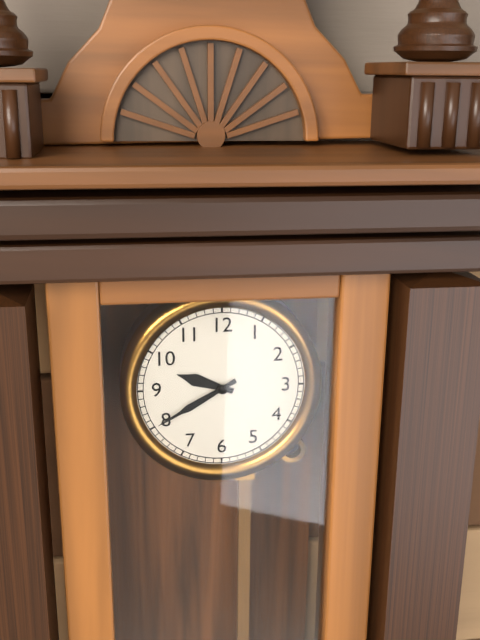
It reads 9:40
